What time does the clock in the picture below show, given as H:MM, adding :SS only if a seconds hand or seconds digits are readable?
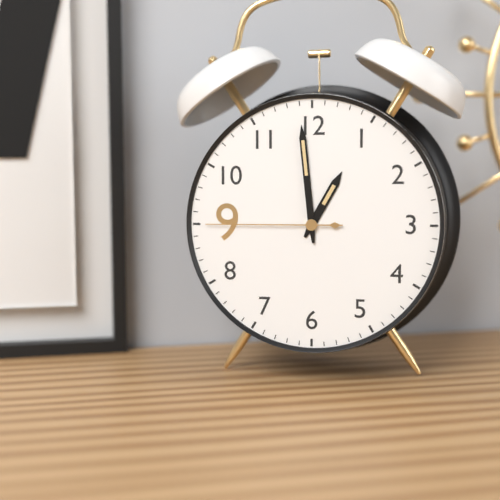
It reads 12:59:45
